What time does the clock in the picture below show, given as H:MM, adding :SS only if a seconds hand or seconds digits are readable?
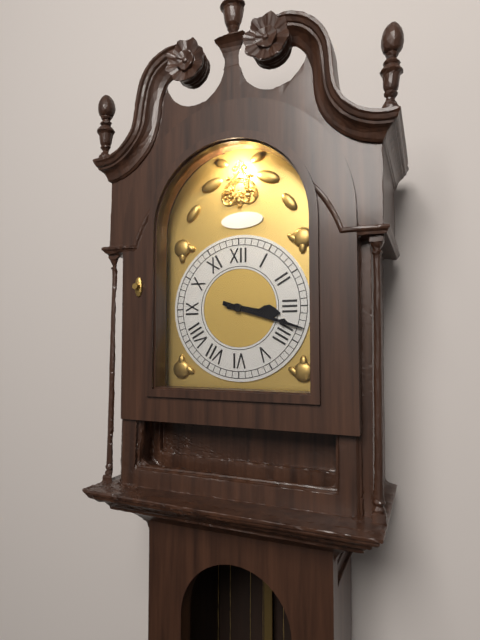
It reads 3:18
